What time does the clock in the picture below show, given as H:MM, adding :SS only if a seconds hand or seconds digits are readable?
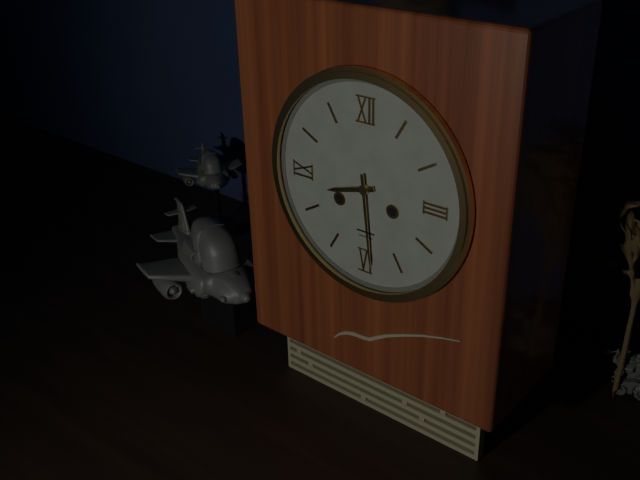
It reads 8:29
